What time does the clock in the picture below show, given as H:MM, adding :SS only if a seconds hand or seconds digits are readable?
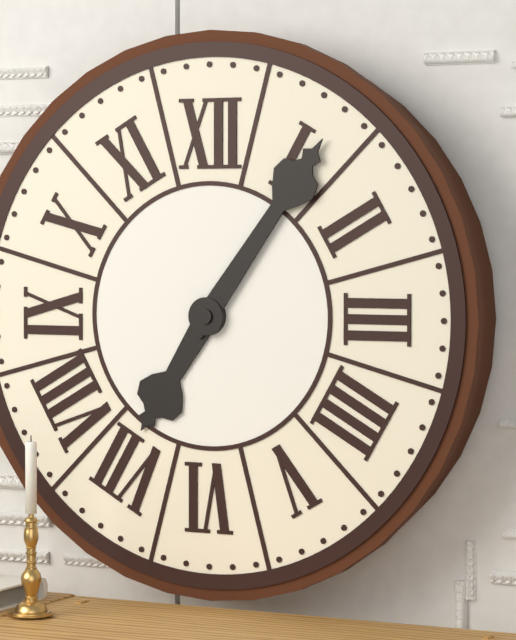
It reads 7:06
